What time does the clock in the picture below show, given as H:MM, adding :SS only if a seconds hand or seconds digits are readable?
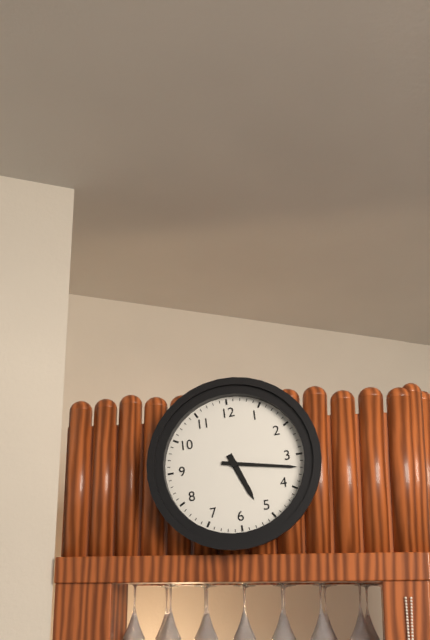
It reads 5:17
